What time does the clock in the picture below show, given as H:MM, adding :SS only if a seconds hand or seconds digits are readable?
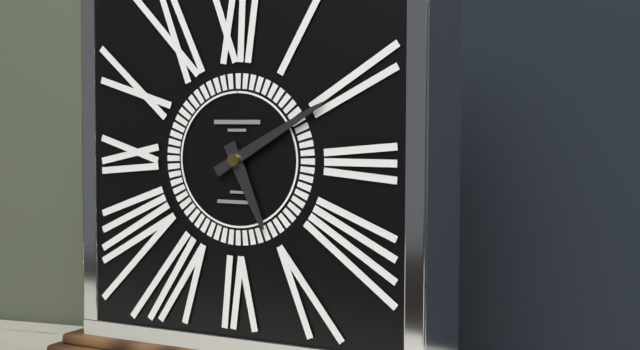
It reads 5:10
